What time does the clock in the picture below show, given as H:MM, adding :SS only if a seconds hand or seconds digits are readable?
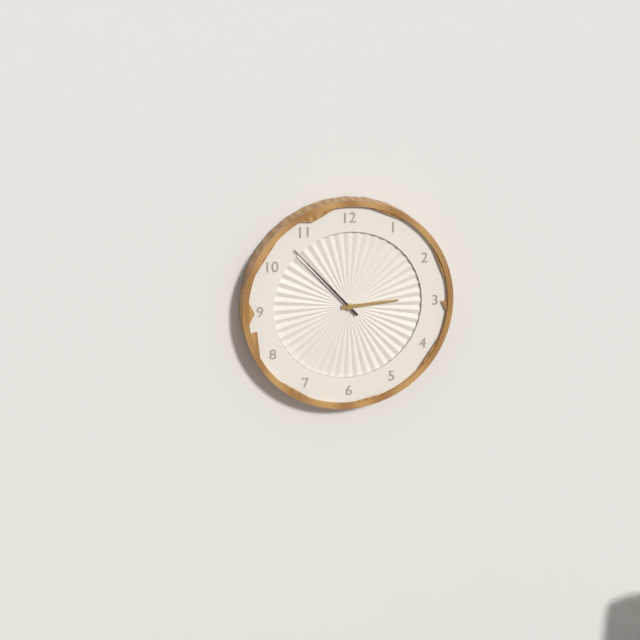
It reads 2:53
